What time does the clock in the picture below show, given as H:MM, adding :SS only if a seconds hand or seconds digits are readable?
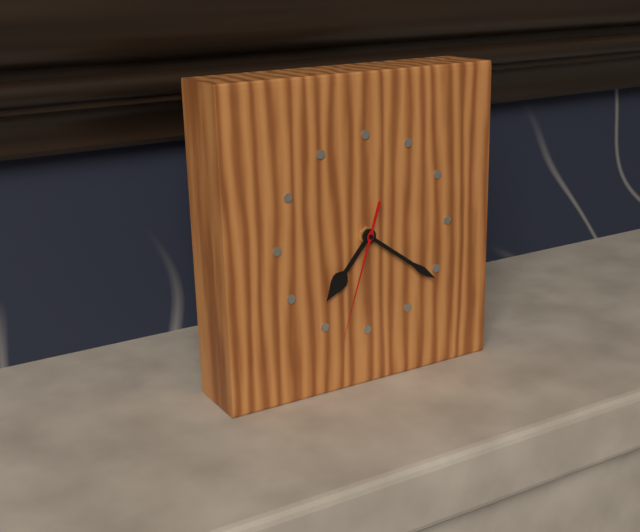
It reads 7:21:33
